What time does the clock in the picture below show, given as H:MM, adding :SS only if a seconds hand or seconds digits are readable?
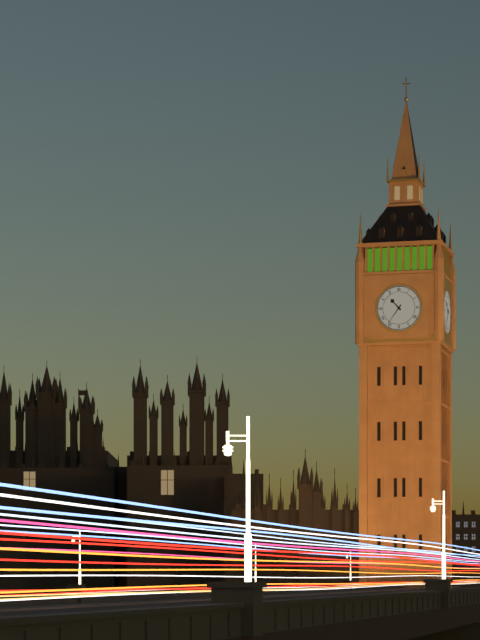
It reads 10:36
